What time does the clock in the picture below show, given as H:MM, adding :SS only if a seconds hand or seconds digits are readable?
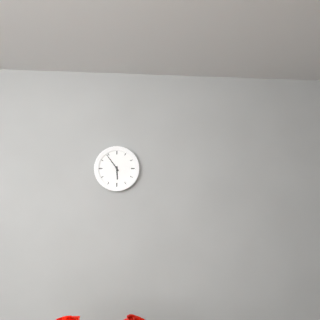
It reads 5:54
